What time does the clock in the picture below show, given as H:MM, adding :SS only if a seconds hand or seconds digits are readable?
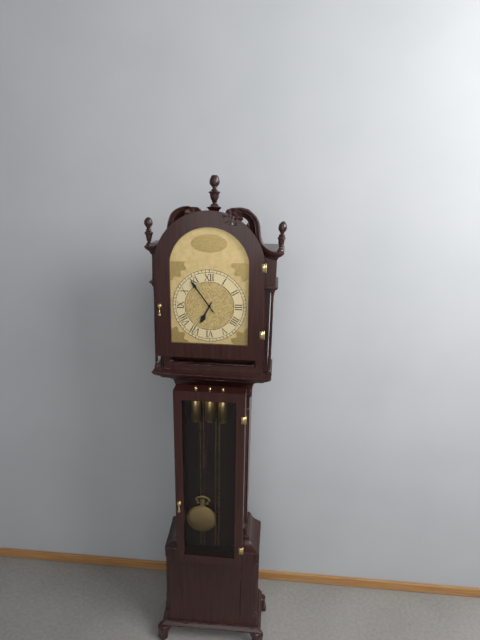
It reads 6:54
